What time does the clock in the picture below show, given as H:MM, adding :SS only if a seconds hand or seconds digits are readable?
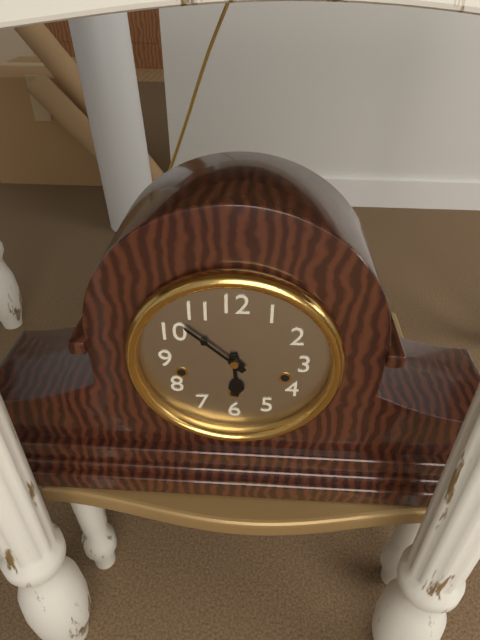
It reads 5:52
